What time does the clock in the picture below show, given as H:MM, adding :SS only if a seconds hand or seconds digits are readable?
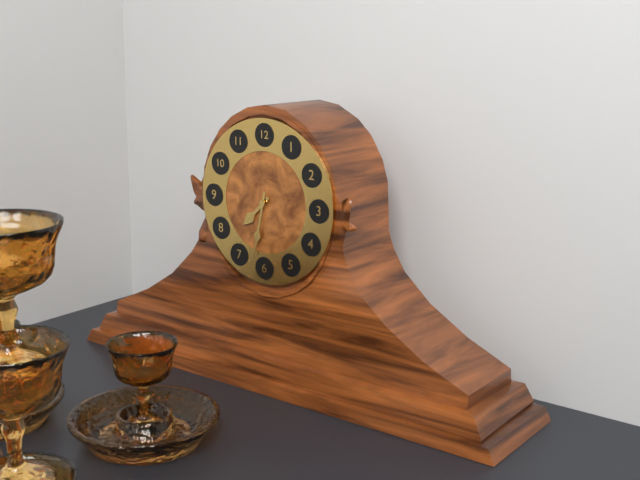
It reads 7:32
